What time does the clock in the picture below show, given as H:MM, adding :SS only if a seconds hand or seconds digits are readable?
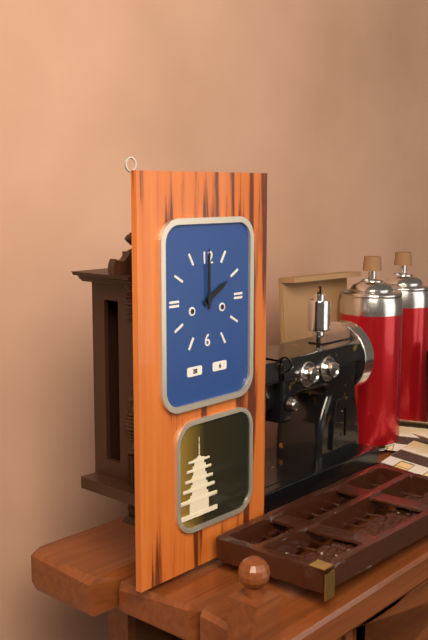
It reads 2:00
